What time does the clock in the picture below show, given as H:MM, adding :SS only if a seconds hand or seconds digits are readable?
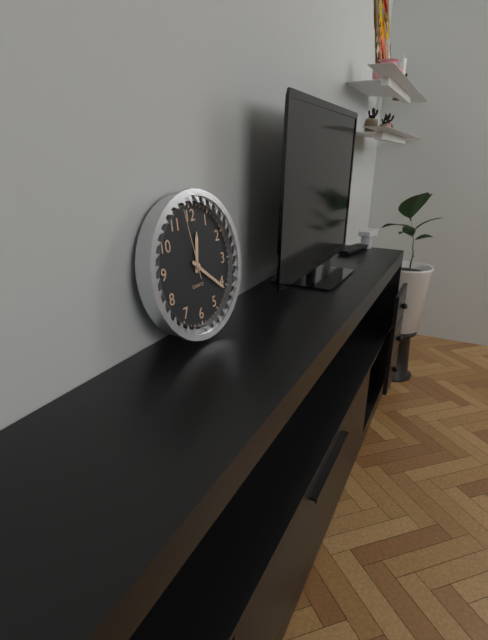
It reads 12:21:58
